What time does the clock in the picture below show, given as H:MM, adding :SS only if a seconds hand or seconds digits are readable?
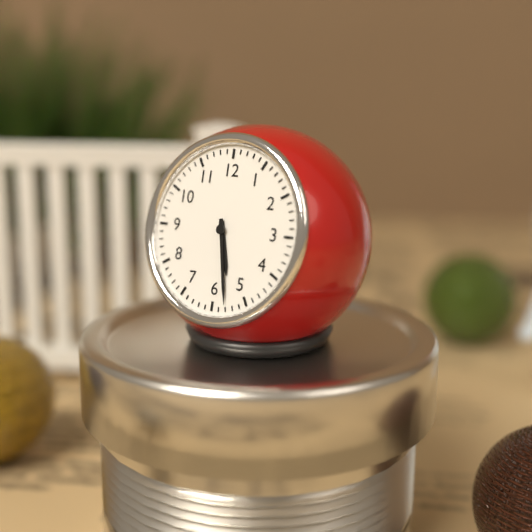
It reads 5:28
